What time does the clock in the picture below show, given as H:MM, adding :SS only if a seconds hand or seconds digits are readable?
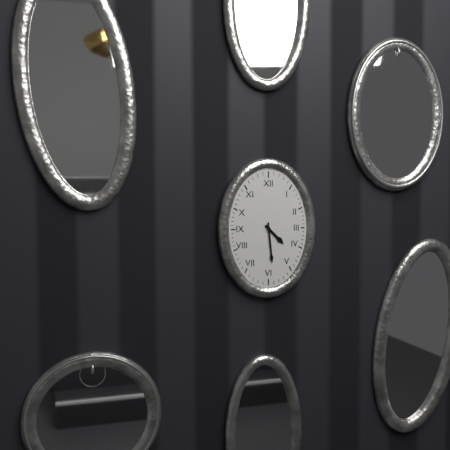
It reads 4:29
